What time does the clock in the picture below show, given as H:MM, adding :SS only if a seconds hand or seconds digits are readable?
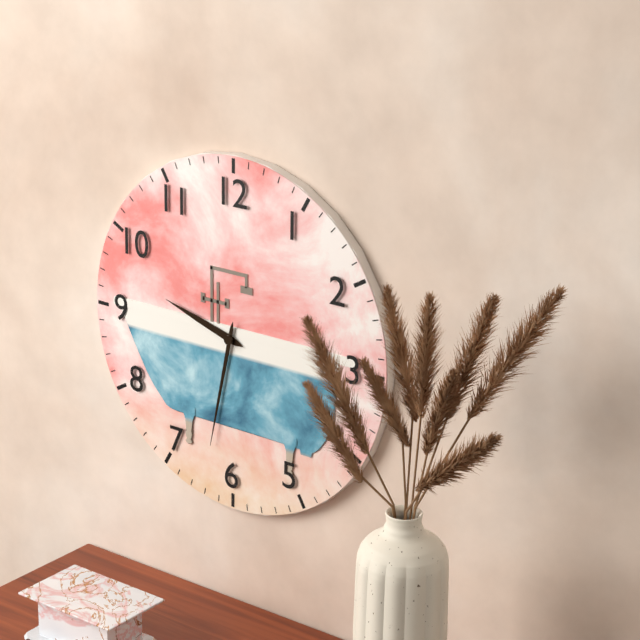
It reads 9:32
